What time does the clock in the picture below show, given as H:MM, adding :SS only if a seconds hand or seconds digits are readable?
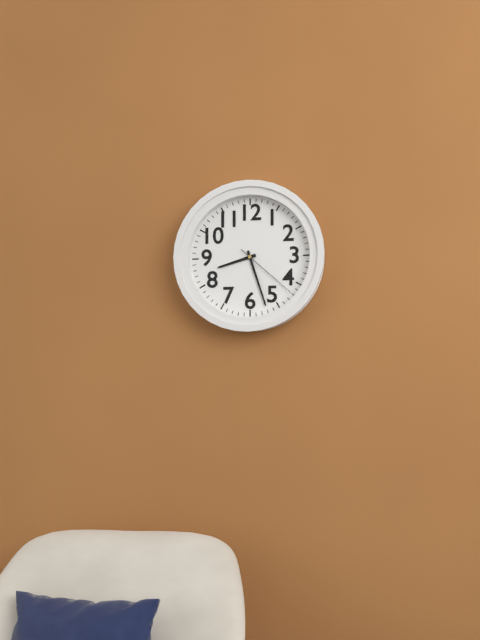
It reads 8:27:22
